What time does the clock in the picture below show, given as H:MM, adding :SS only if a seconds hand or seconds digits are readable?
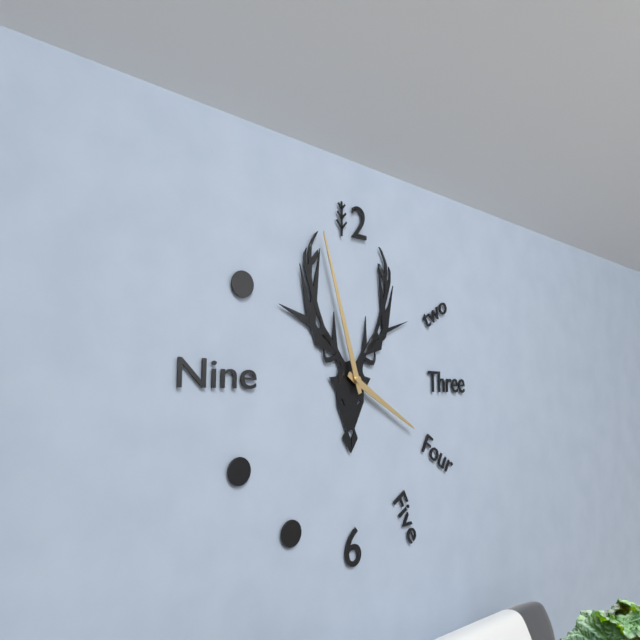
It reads 3:57
